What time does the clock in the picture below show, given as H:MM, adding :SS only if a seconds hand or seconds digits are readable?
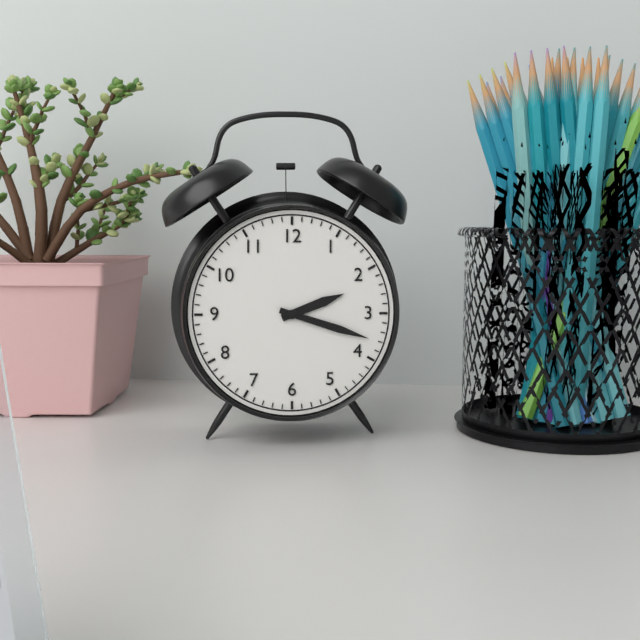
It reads 2:18
